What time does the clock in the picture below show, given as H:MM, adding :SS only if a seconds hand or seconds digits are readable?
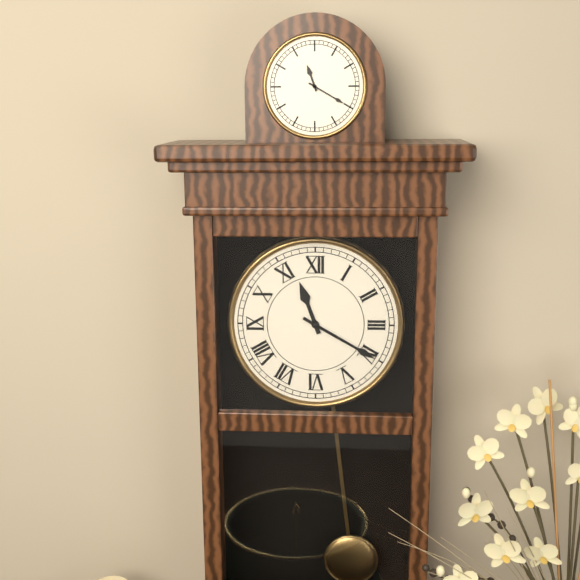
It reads 11:20
